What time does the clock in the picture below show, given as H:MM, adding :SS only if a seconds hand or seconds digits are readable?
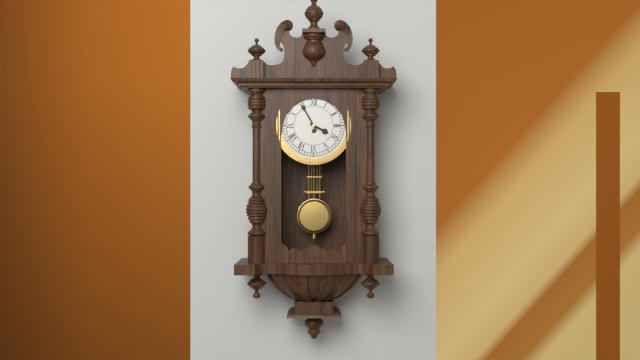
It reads 3:55
